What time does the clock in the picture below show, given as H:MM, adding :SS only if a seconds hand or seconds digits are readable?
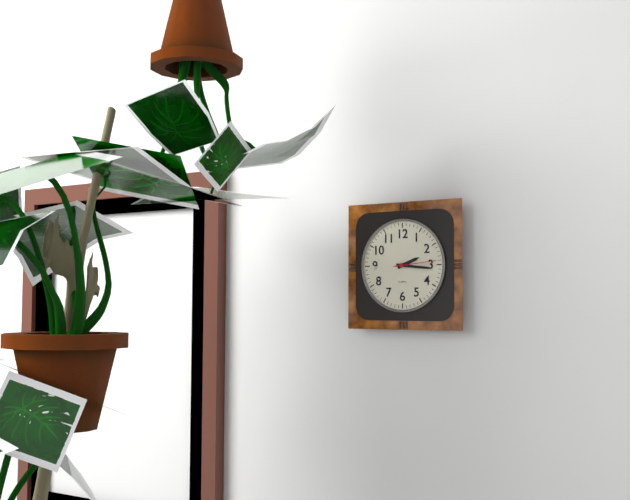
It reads 2:16
